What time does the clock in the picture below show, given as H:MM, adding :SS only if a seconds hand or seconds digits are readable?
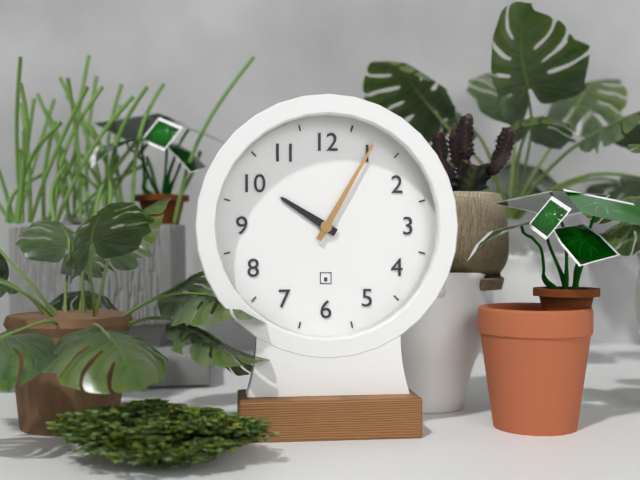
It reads 10:05
